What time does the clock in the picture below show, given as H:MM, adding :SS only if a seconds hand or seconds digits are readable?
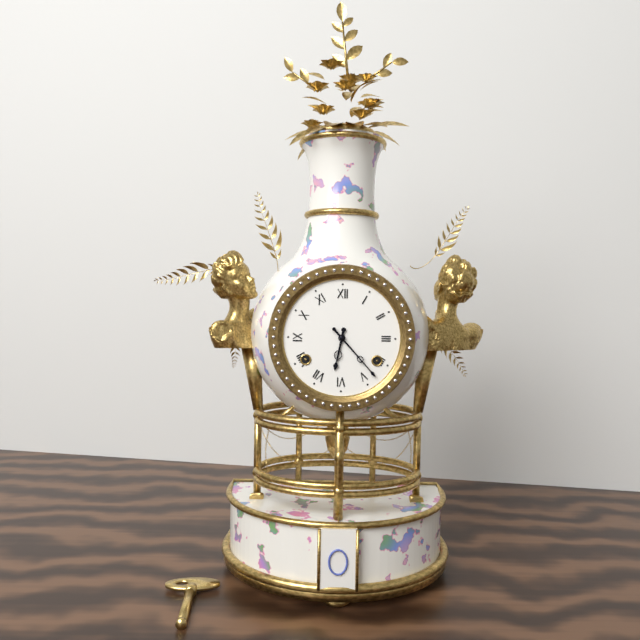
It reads 6:23
